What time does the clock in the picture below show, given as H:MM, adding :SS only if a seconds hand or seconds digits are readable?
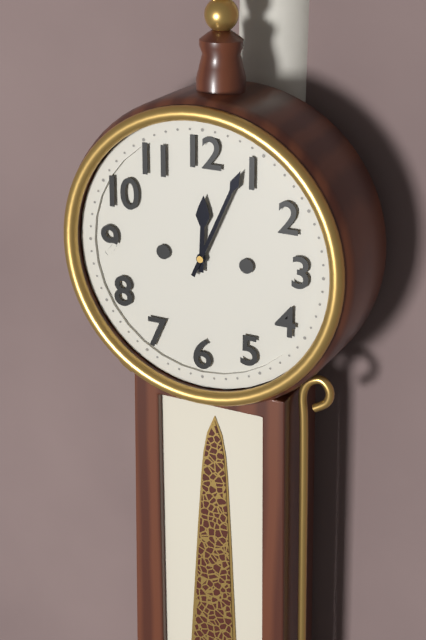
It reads 12:04
